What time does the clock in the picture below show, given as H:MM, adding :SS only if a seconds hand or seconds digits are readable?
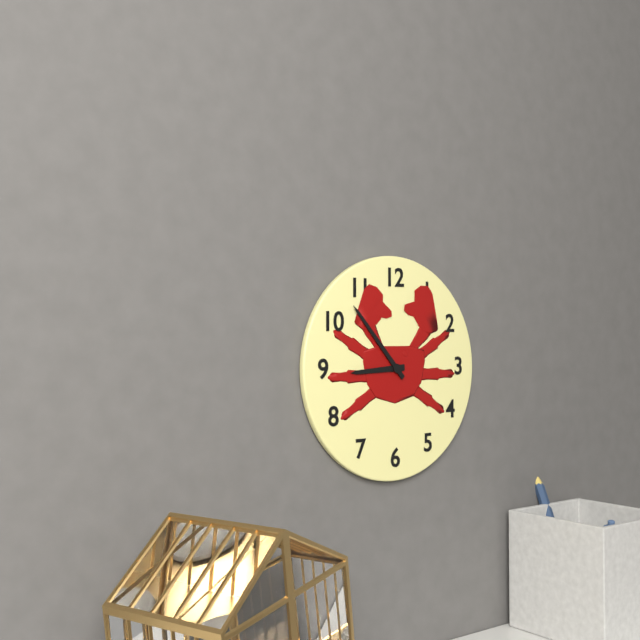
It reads 8:53
